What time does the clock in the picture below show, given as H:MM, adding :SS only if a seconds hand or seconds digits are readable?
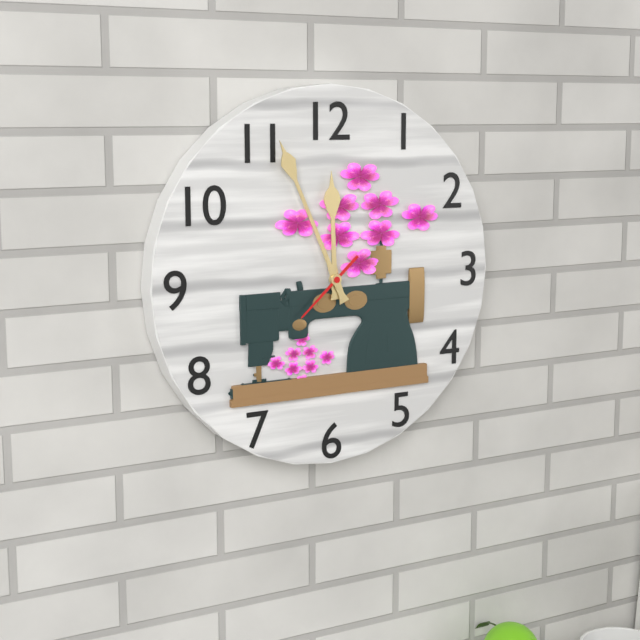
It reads 11:56:38
